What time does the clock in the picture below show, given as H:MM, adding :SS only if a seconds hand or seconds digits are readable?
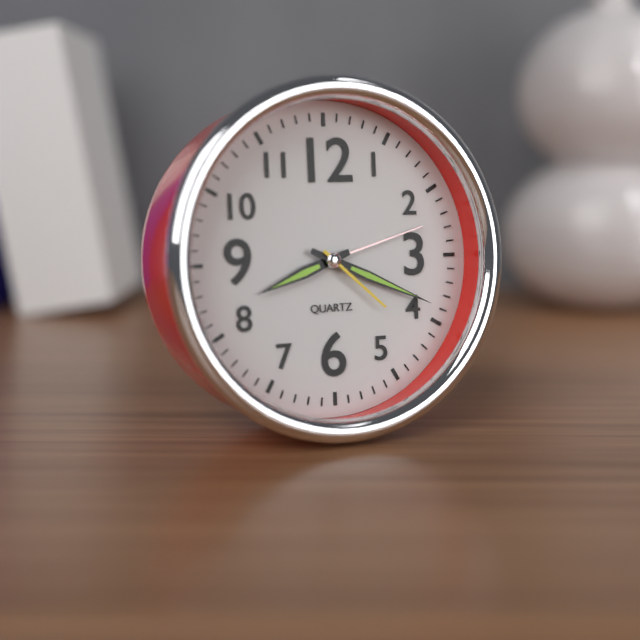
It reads 8:19:22
